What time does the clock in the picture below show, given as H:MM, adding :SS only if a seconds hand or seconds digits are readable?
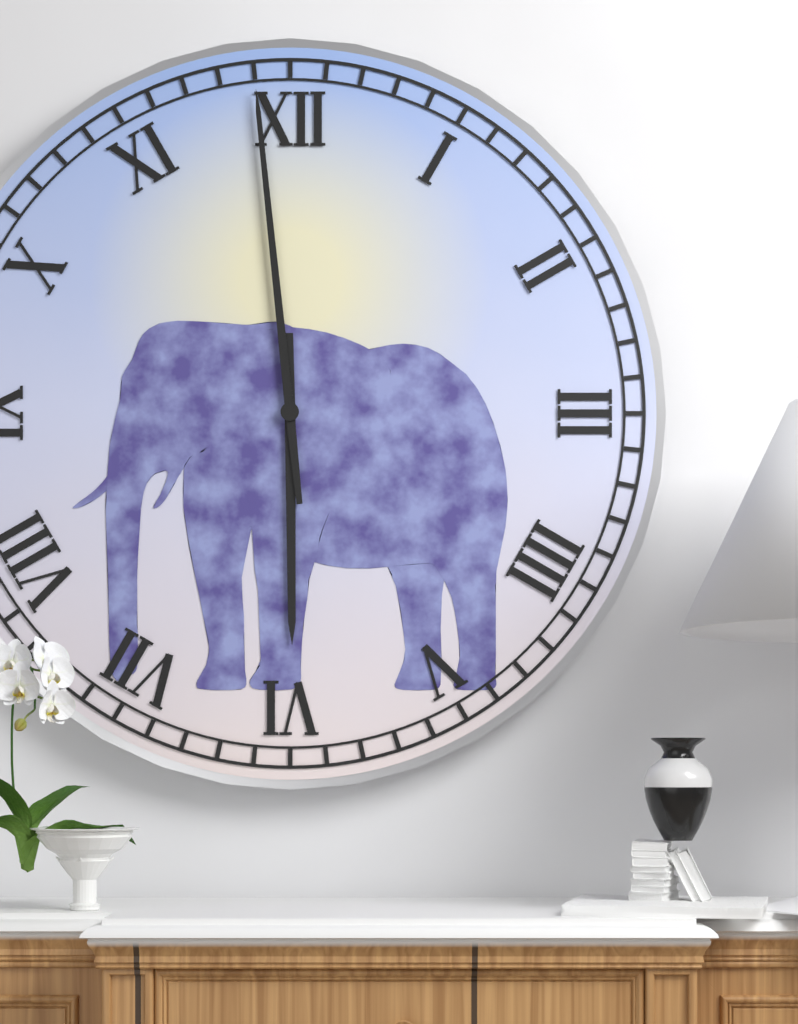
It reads 5:59
